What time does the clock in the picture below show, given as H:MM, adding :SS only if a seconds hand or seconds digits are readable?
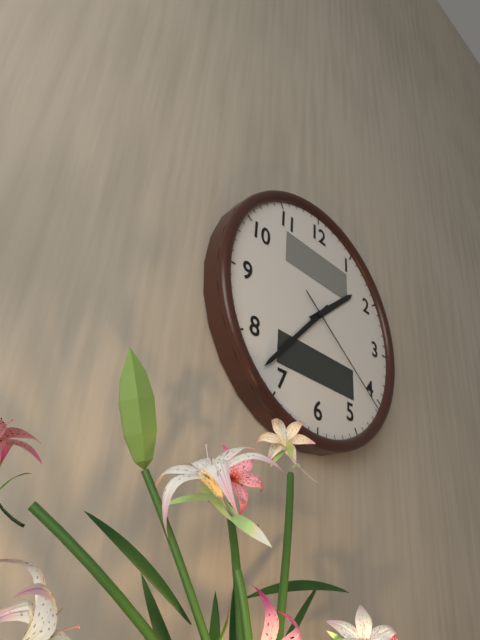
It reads 1:37:21
